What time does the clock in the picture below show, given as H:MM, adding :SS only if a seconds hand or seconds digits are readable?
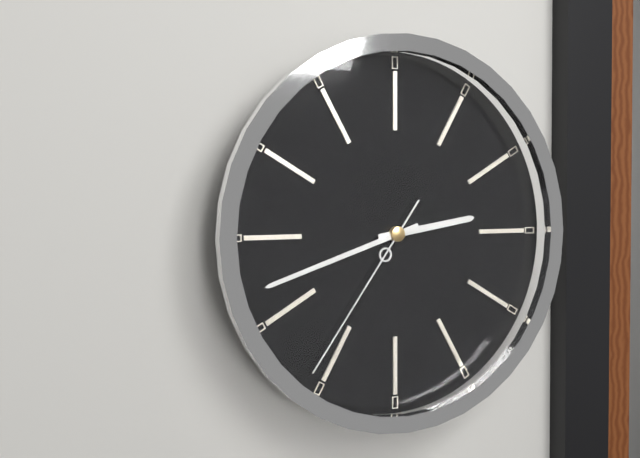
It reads 2:42:36
